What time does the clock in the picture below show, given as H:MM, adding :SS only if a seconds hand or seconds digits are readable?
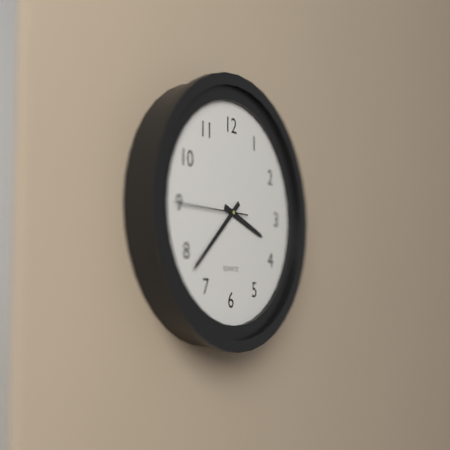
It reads 3:38:45
